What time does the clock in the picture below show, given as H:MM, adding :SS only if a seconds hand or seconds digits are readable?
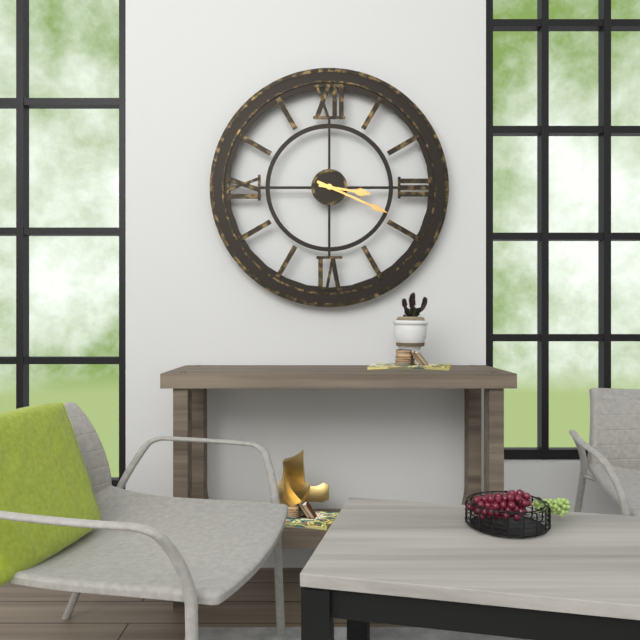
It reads 3:19
